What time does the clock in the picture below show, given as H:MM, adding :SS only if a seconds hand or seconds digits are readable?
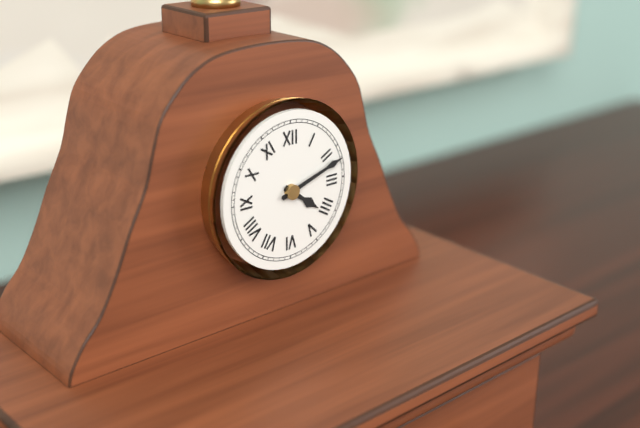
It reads 4:12
